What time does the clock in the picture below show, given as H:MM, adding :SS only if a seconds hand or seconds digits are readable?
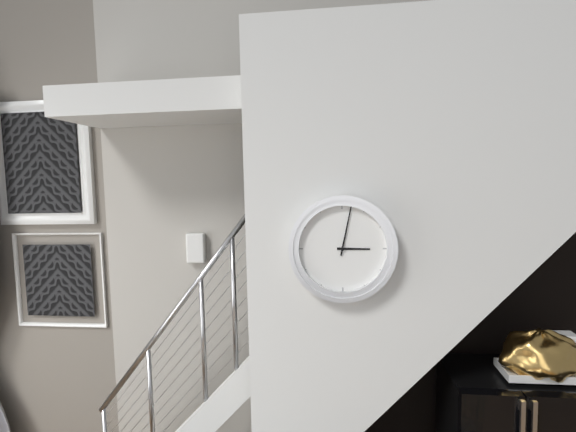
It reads 3:02
